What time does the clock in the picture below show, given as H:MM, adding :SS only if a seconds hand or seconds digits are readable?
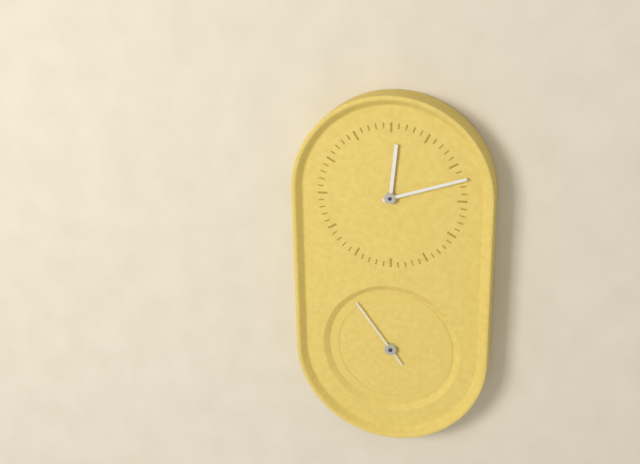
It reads 12:12:54
